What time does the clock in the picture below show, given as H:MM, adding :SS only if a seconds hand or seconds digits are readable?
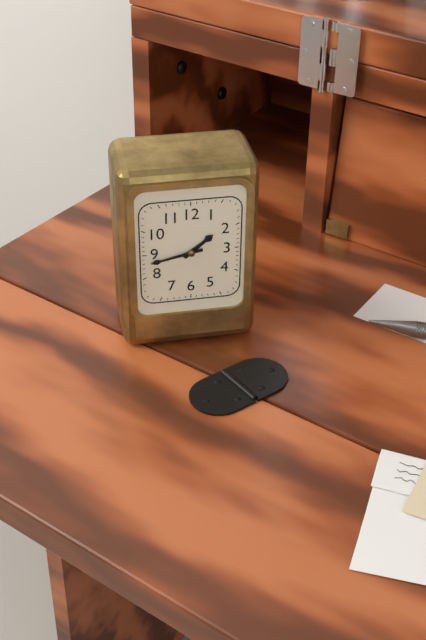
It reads 1:43
